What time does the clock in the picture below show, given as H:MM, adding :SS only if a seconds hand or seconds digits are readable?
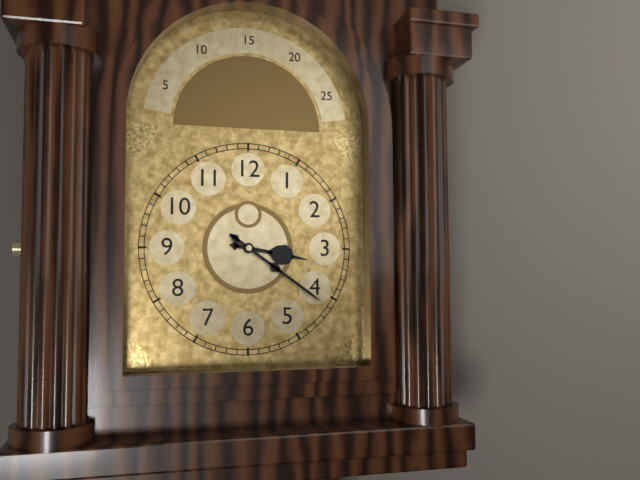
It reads 3:21
